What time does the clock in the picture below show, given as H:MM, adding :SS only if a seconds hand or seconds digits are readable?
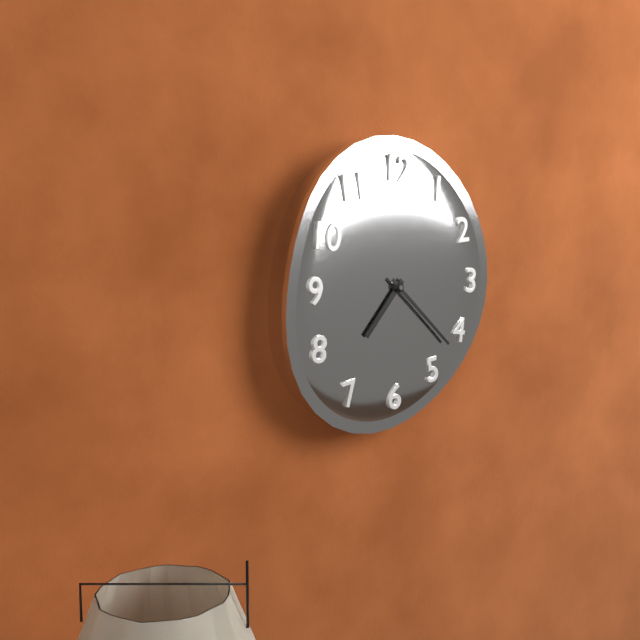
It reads 7:22
